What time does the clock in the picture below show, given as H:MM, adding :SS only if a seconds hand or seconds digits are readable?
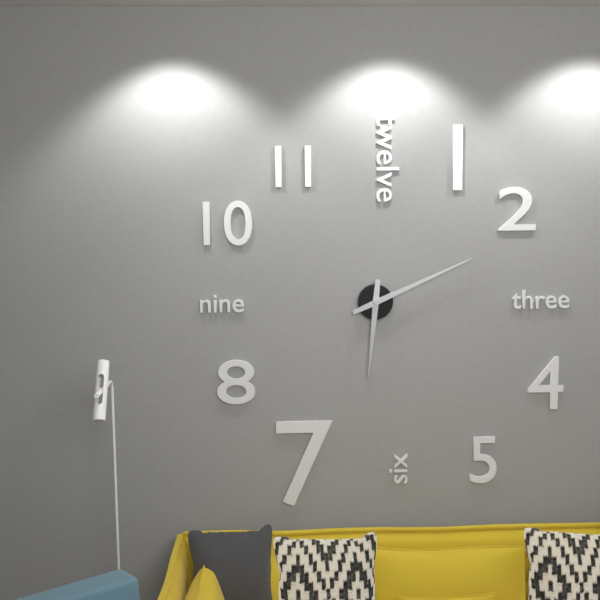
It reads 6:11
